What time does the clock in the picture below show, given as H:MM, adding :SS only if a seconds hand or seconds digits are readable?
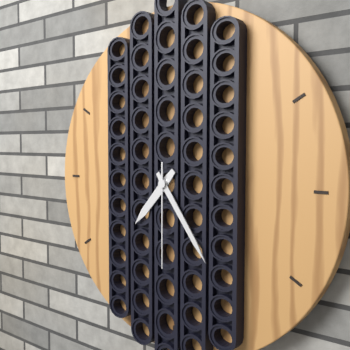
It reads 7:24:30
